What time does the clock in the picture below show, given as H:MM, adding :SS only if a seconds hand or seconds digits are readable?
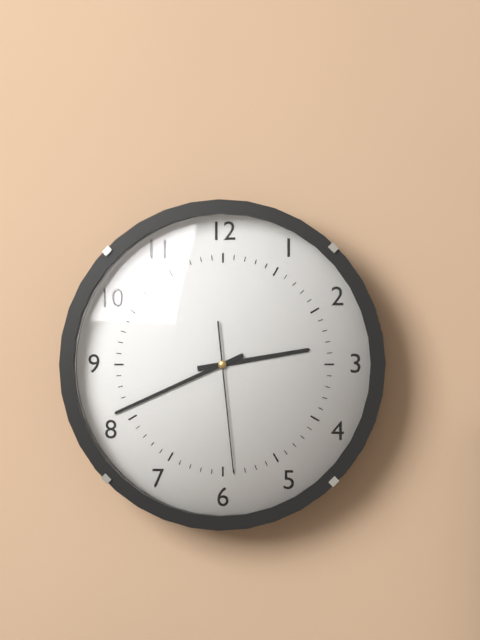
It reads 2:41:29
